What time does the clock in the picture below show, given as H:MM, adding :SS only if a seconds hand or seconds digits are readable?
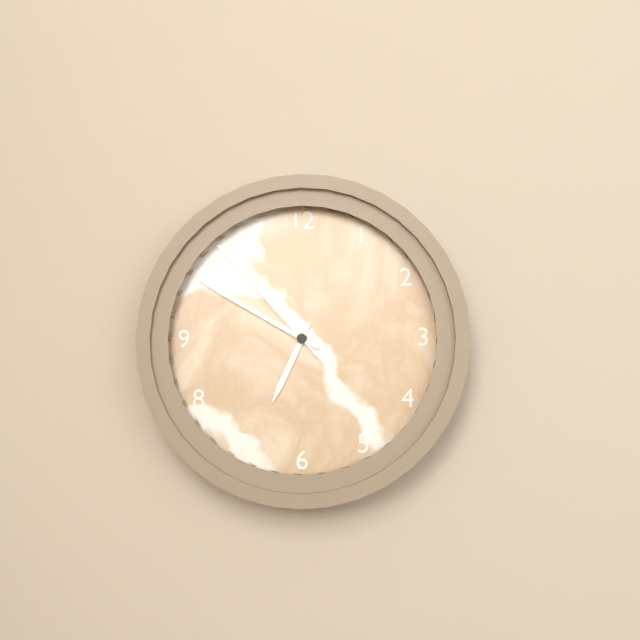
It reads 6:50:53
